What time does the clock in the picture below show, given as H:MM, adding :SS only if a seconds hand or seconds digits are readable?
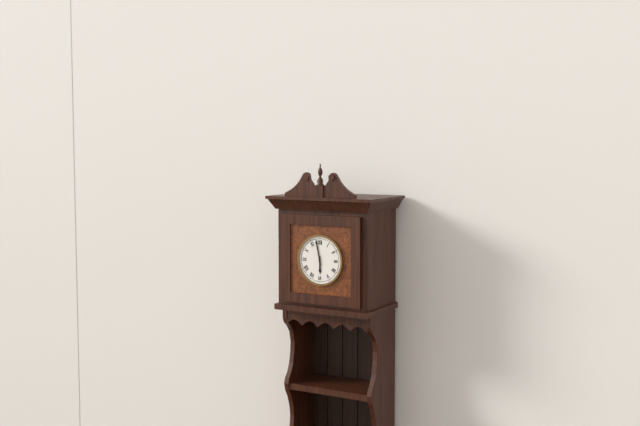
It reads 5:58
